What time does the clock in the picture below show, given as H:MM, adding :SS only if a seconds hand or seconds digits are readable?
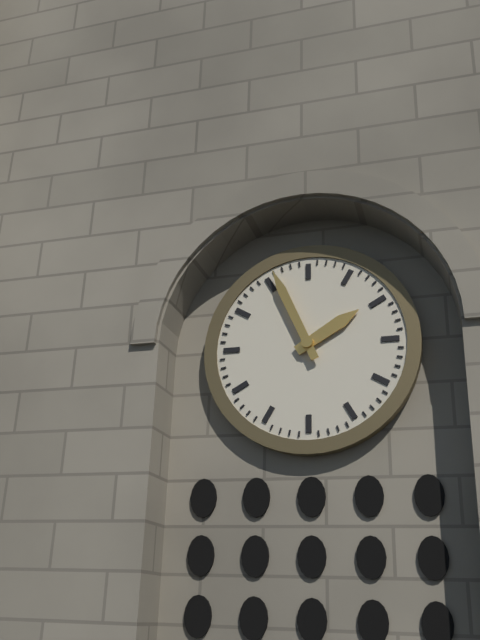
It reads 1:56
